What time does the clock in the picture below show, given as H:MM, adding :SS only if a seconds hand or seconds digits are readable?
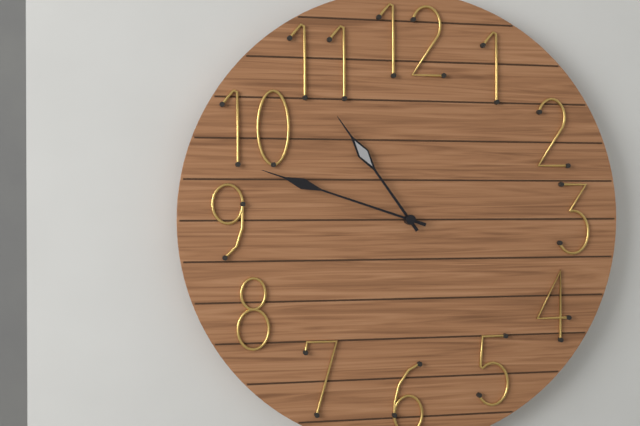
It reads 10:48
